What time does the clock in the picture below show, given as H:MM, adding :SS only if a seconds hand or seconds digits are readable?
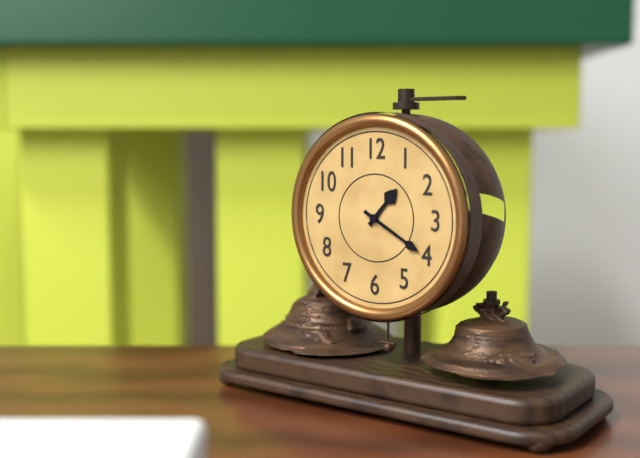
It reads 1:20
